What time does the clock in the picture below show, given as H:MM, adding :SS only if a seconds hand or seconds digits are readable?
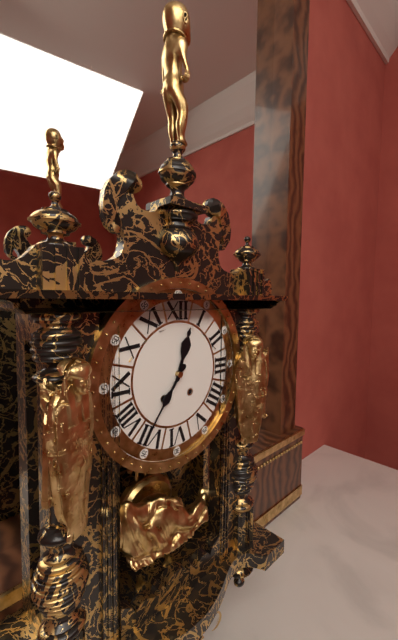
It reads 12:36
